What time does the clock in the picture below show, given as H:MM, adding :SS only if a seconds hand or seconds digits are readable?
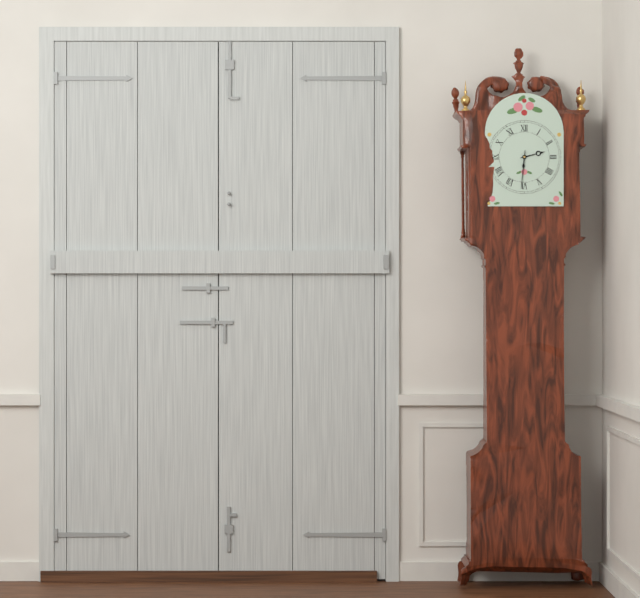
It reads 2:31
